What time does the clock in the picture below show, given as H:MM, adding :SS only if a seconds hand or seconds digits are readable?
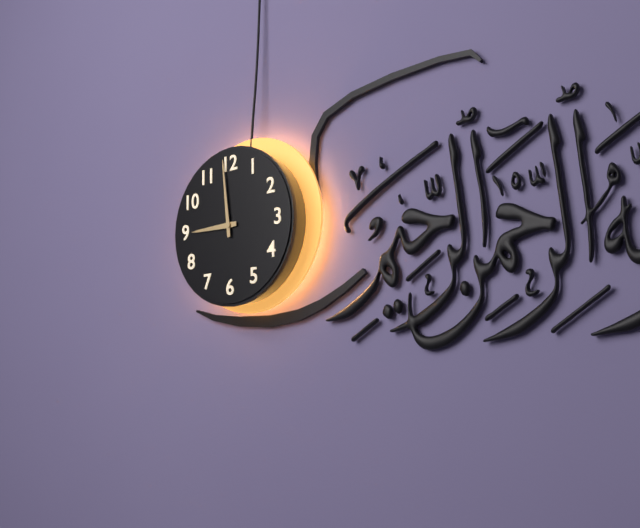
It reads 8:59
